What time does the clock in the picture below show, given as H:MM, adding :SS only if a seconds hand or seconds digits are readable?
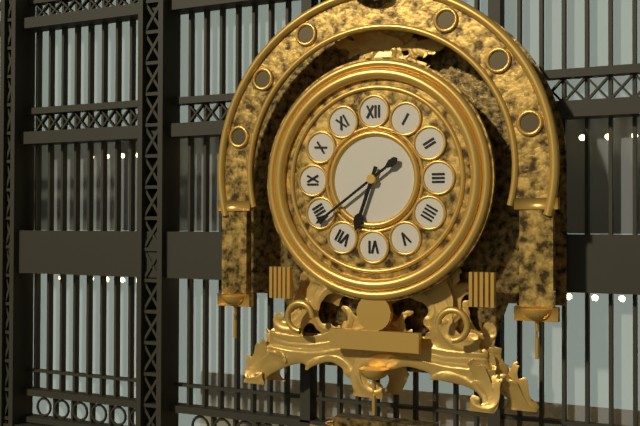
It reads 6:39
